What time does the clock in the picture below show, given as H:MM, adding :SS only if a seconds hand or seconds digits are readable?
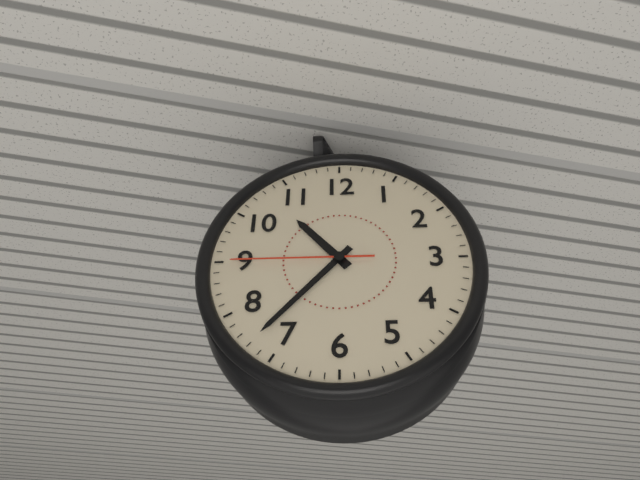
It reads 10:37:45
